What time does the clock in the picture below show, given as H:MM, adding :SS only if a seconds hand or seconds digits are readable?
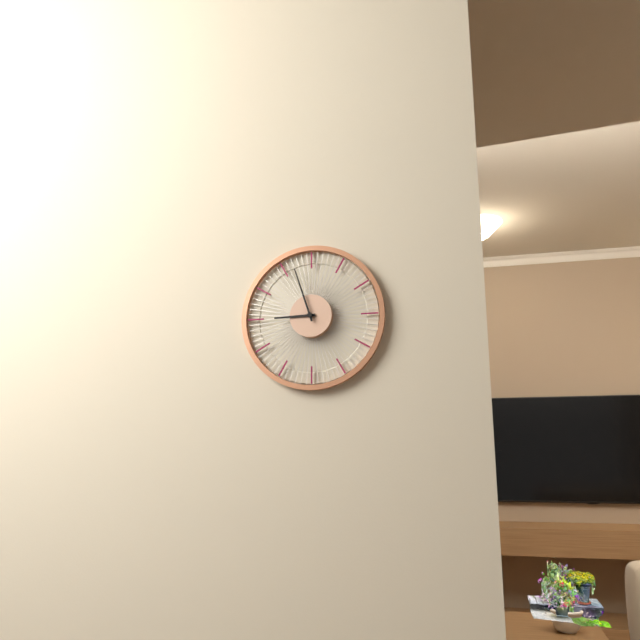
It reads 8:57
